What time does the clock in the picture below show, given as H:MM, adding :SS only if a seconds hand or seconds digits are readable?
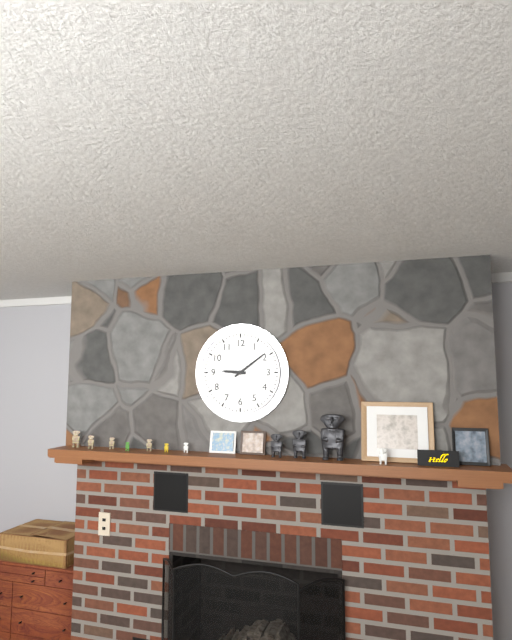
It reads 9:09
